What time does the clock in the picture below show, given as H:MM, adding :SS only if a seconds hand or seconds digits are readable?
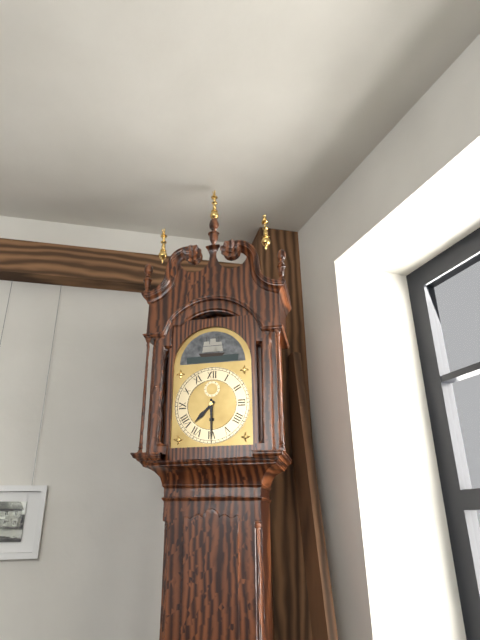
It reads 7:30
